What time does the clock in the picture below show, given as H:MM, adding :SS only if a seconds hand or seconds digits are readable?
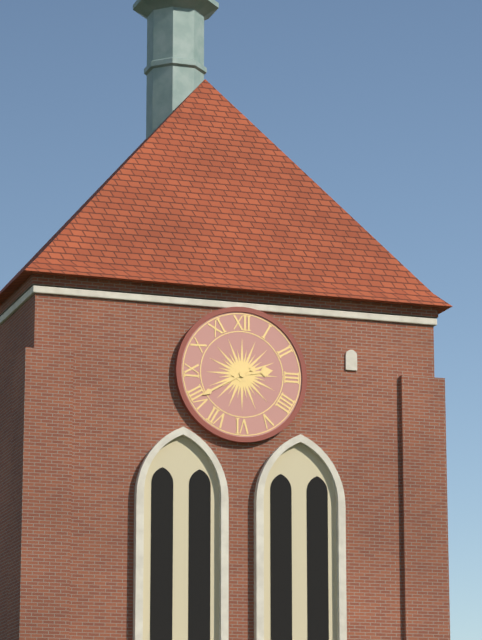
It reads 2:40
